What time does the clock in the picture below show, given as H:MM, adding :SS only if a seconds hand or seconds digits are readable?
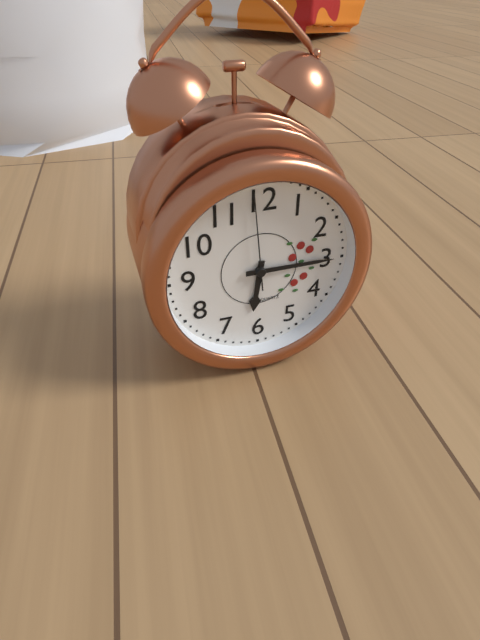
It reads 6:15:59
